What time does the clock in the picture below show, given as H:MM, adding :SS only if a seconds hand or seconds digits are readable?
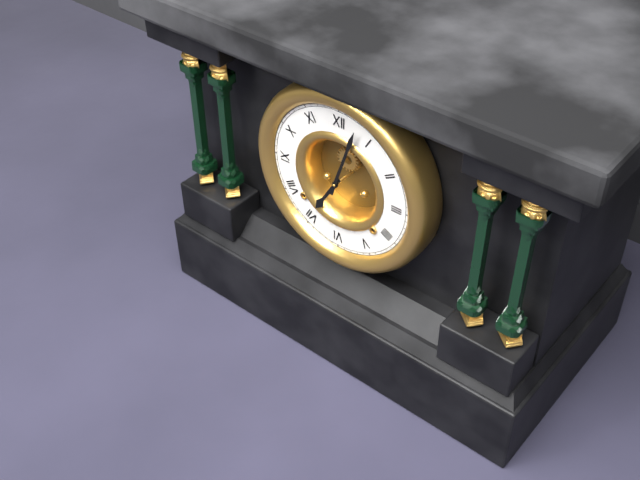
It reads 7:03
